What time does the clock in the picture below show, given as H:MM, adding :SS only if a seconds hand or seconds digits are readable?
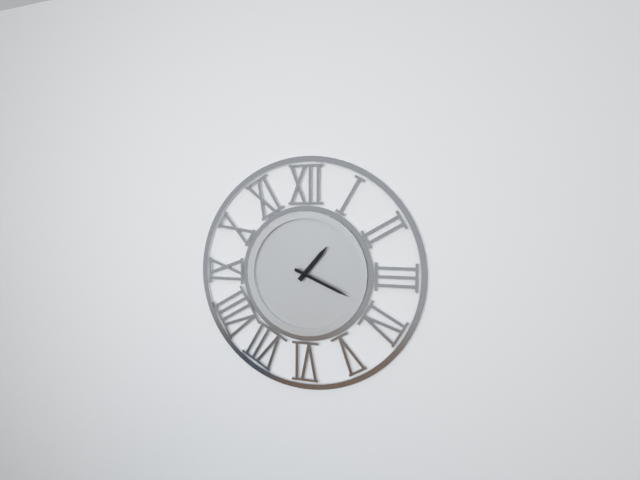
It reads 1:19
